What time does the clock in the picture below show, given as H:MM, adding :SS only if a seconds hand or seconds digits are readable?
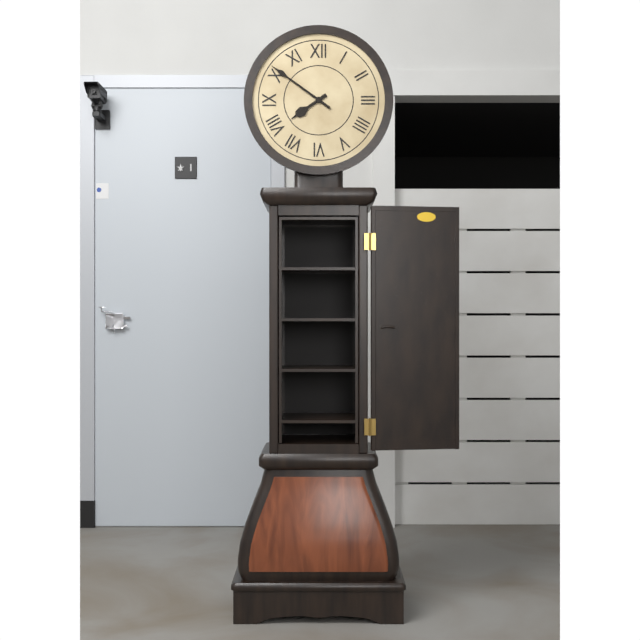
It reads 7:51
